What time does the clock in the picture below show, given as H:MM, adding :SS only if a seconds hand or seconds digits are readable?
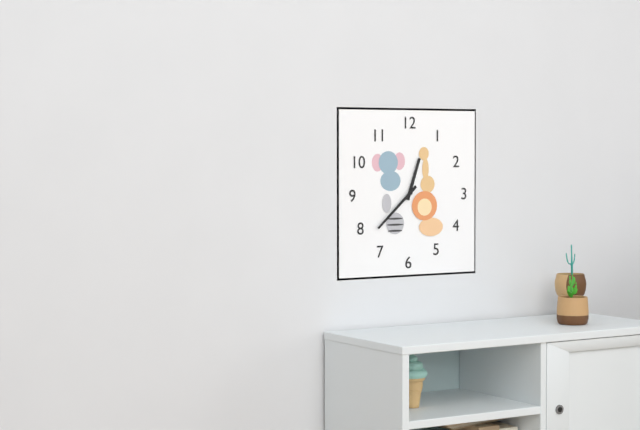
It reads 12:38
